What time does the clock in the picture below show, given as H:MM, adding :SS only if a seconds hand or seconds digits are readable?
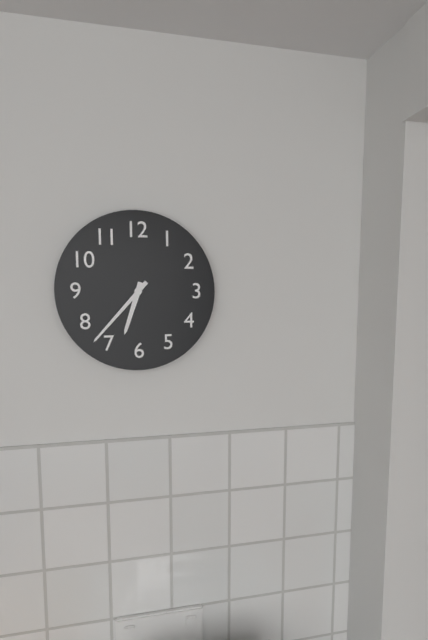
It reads 6:37
